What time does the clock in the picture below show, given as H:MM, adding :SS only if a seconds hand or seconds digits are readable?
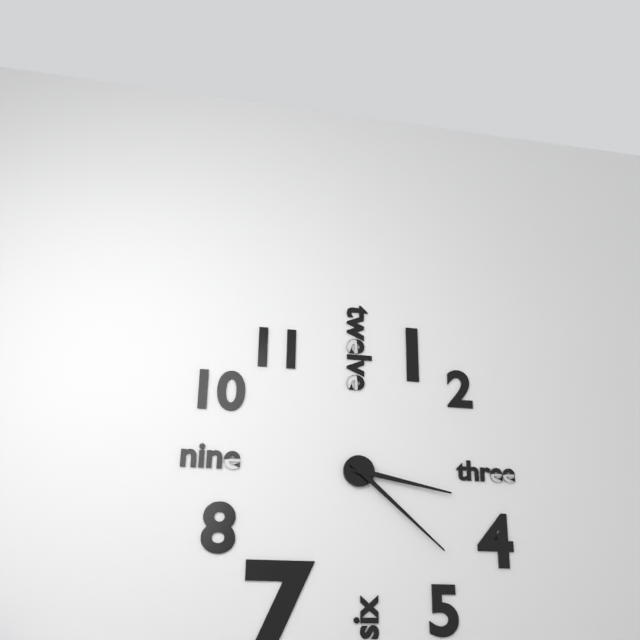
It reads 3:22
